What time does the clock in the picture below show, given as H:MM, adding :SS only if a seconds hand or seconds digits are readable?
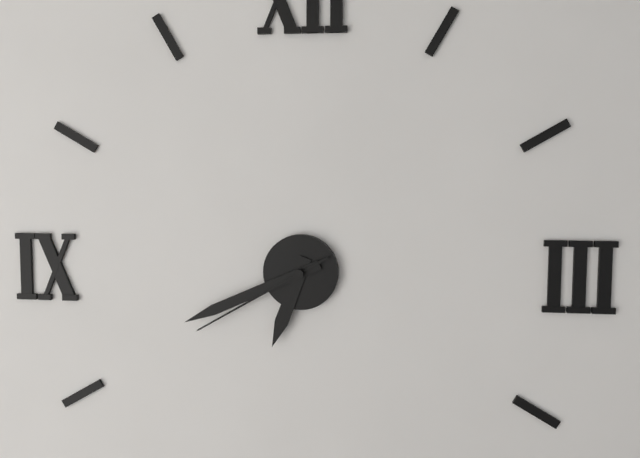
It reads 6:41:40
